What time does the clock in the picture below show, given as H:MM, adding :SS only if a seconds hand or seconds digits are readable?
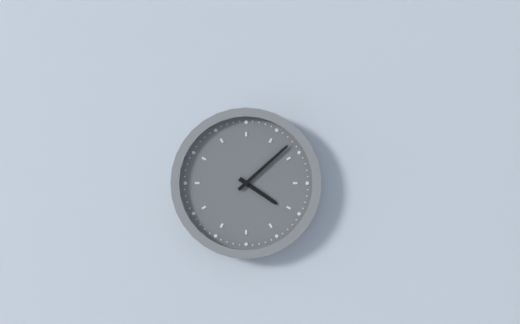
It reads 4:08
